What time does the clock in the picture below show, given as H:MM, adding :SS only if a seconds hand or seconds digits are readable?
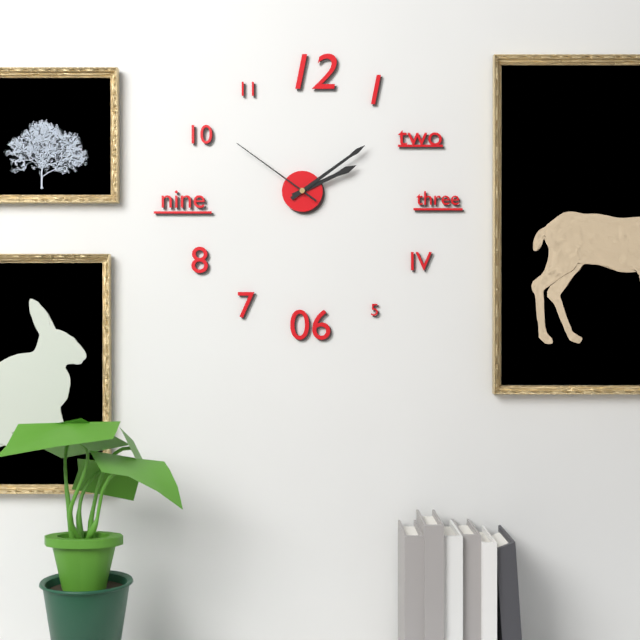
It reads 2:09:51
